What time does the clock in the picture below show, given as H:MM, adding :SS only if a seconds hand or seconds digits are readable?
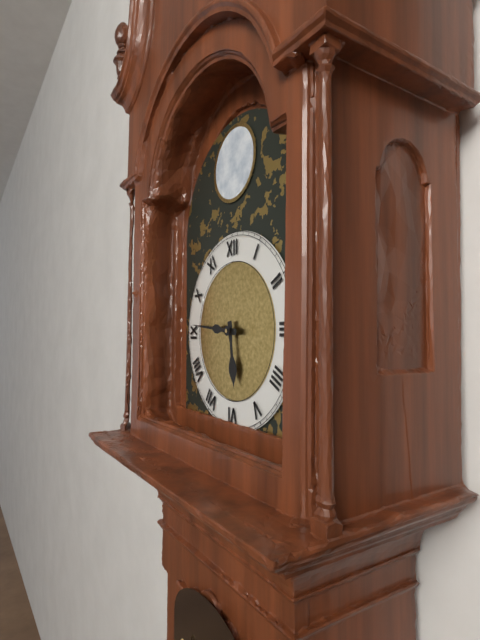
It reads 5:46
